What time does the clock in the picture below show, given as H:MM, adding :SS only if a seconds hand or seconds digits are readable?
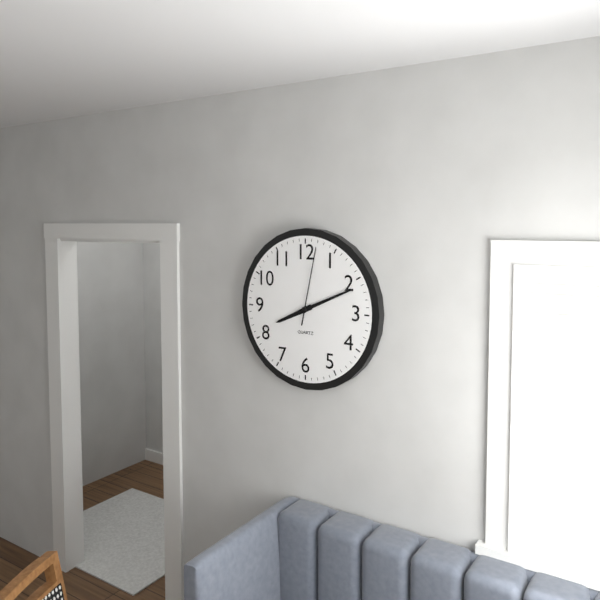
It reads 8:11:02
